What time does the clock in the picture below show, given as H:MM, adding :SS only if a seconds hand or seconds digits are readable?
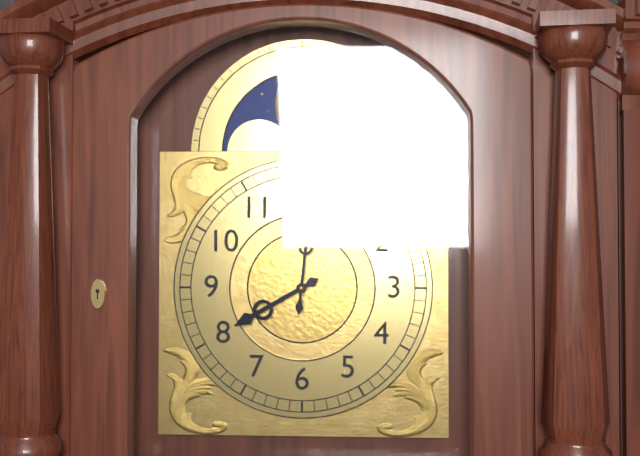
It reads 8:01
